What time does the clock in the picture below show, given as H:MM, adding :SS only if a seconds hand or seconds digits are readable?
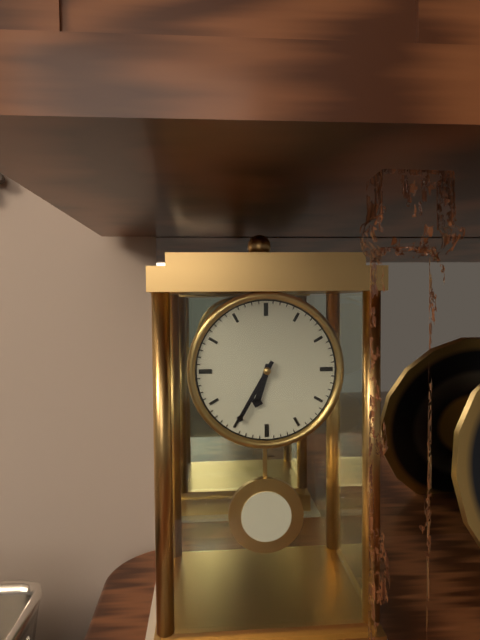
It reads 6:35
